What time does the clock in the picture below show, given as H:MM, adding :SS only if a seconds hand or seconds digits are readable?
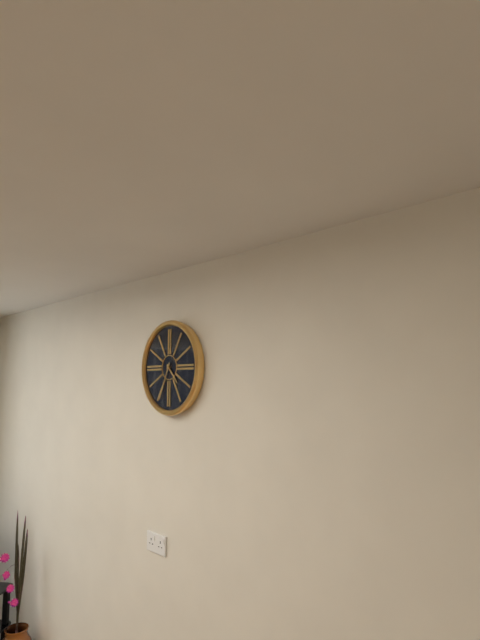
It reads 4:34
